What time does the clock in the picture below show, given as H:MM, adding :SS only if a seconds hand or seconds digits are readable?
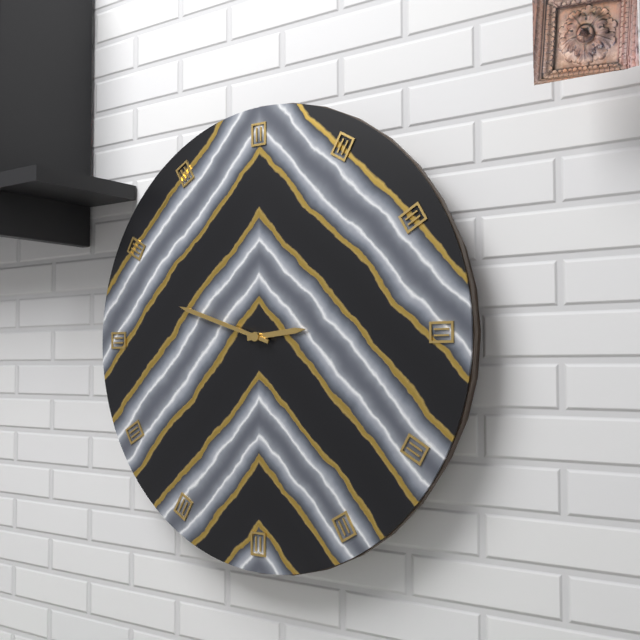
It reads 2:48
